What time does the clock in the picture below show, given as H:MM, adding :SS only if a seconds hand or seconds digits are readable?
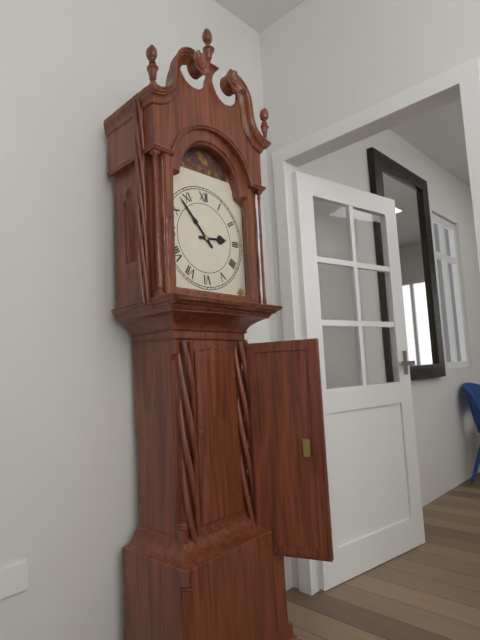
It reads 2:53
